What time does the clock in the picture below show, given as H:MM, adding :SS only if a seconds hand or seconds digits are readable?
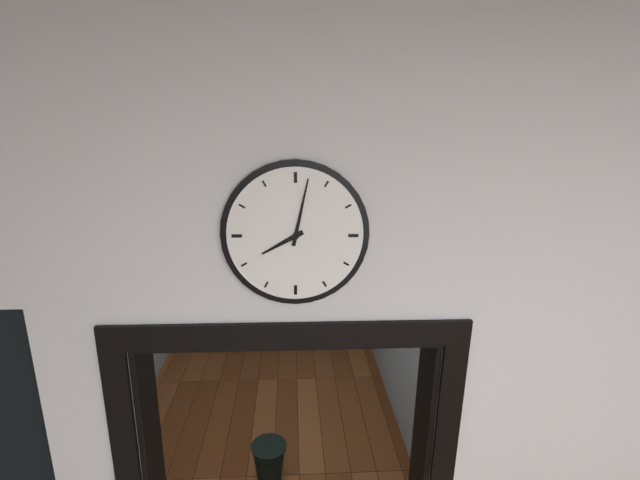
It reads 8:02
